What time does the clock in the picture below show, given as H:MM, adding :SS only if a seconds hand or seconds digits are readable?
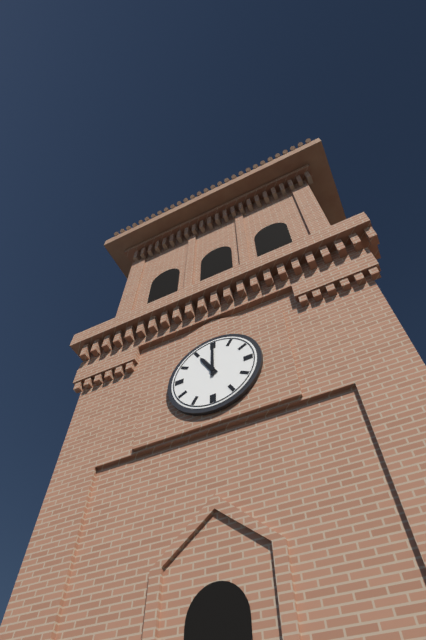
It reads 11:00
